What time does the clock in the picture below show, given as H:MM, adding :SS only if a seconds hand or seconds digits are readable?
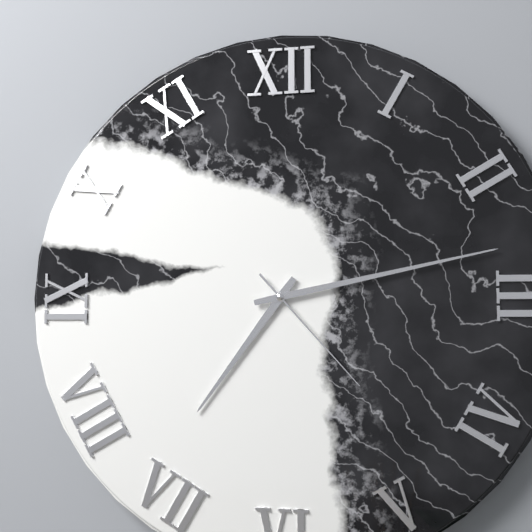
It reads 7:13:23
